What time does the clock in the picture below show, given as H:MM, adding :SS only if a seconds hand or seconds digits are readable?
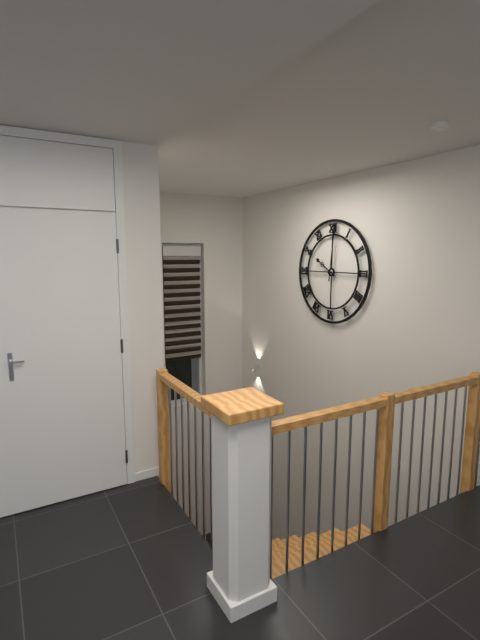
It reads 10:01
